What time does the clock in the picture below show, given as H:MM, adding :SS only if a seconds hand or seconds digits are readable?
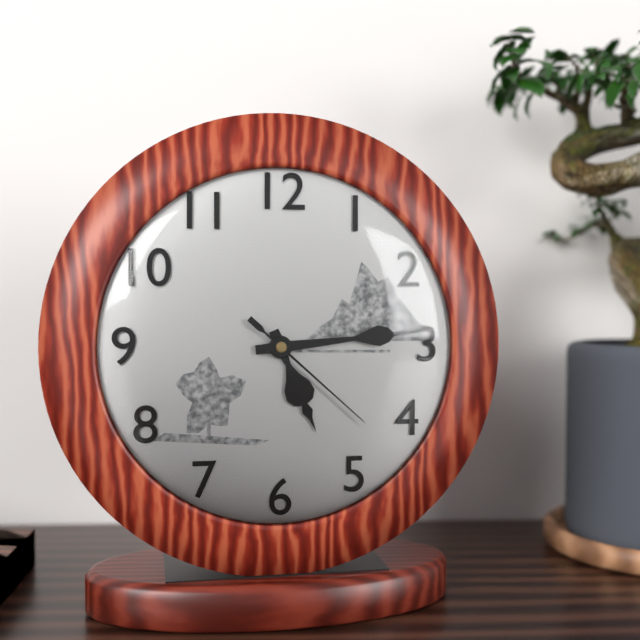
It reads 5:14:22
